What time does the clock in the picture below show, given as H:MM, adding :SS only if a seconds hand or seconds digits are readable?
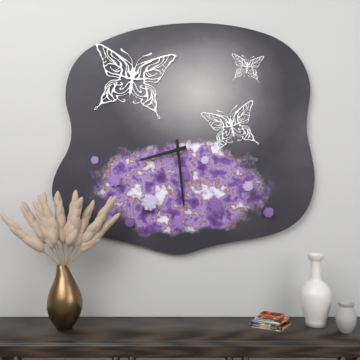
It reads 8:29
